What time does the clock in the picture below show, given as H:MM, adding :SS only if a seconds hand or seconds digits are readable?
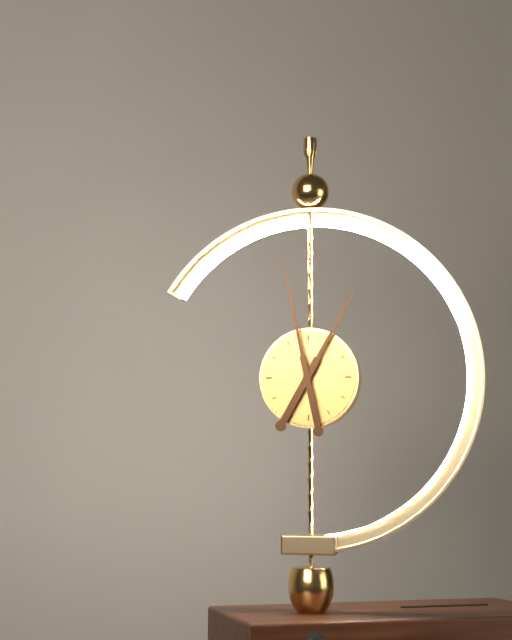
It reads 12:58
